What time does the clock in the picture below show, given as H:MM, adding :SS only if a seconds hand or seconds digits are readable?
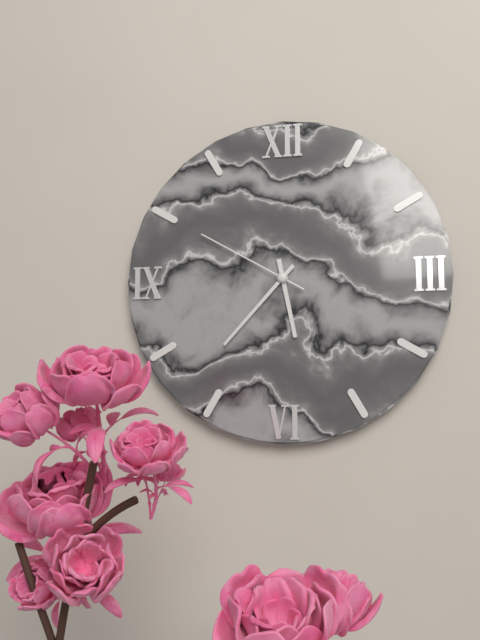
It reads 5:37:50
